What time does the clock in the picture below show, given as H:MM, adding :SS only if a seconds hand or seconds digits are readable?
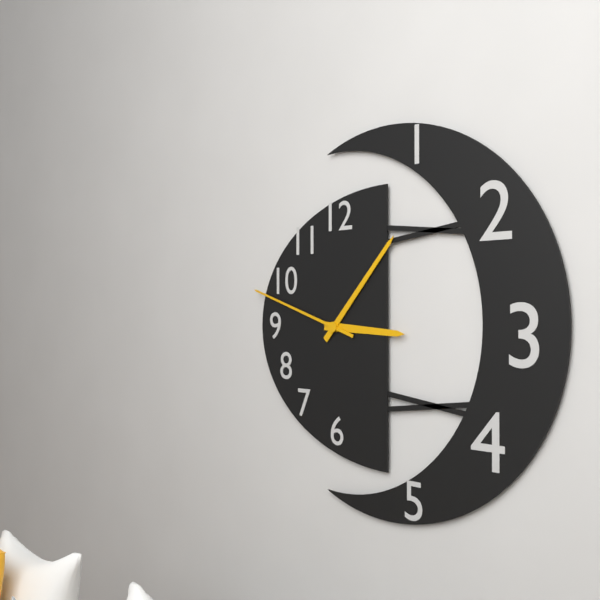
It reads 3:07:48
